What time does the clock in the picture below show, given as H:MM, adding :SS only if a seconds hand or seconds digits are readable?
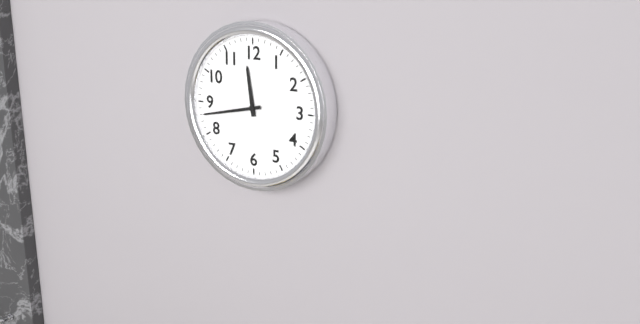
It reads 11:43
